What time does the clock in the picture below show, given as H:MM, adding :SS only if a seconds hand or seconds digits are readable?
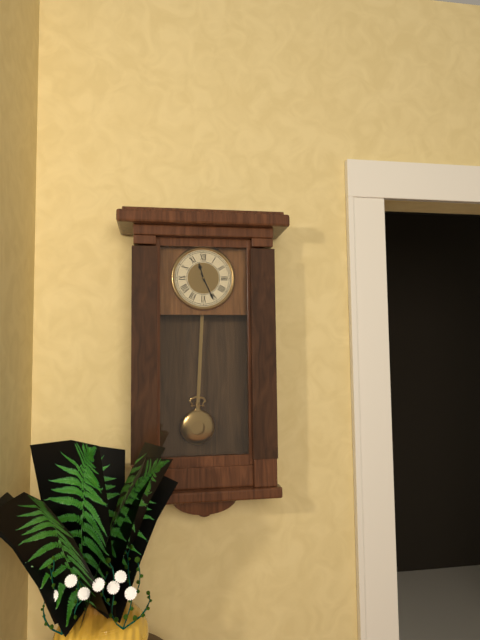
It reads 11:26
